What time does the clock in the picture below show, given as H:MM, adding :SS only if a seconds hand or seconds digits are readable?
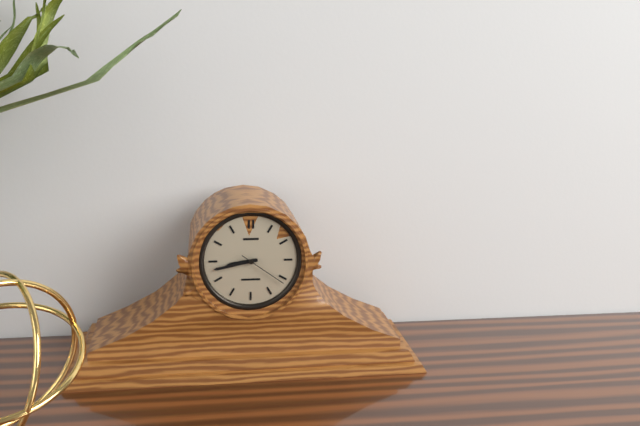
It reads 8:43:21
